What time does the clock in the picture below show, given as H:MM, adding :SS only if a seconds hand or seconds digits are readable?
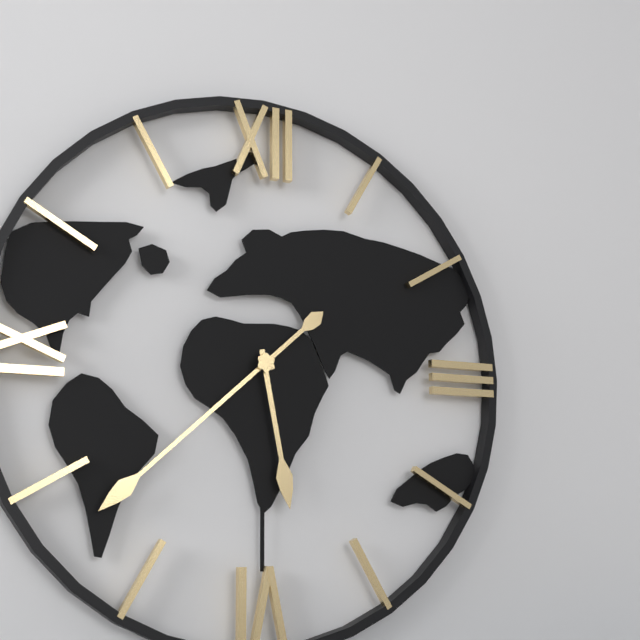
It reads 5:38
